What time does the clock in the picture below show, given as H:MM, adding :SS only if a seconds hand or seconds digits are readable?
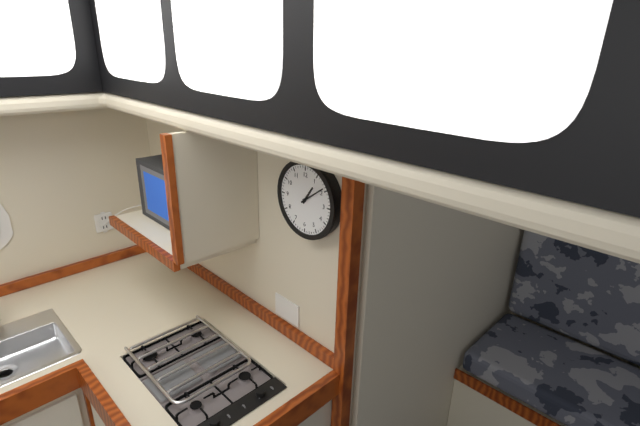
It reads 1:09
